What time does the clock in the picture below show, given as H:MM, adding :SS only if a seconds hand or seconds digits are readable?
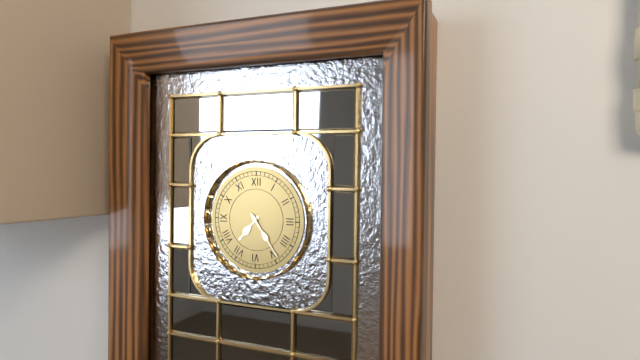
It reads 7:24
